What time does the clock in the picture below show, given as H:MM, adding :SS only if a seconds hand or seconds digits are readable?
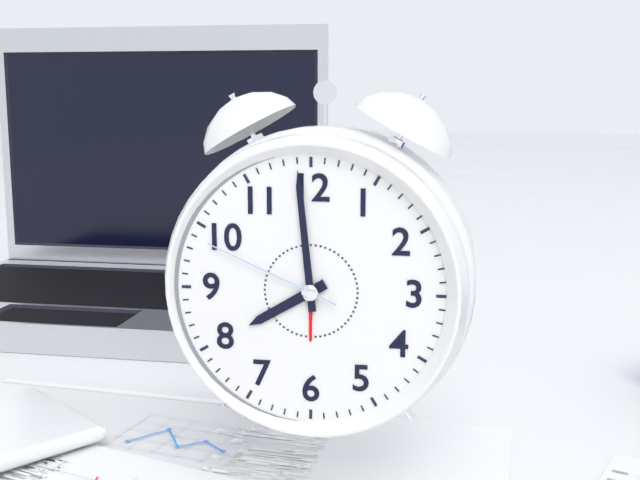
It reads 7:59:49
